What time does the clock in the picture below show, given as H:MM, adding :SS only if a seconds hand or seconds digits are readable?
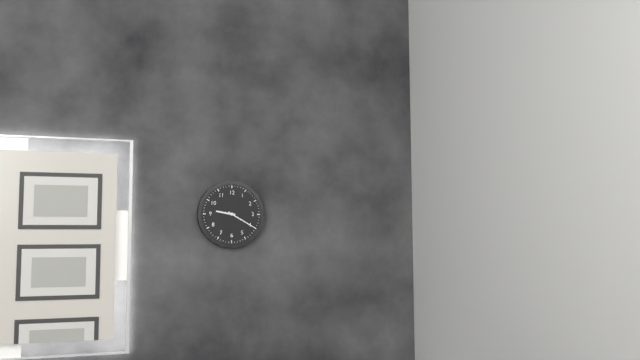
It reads 9:20
